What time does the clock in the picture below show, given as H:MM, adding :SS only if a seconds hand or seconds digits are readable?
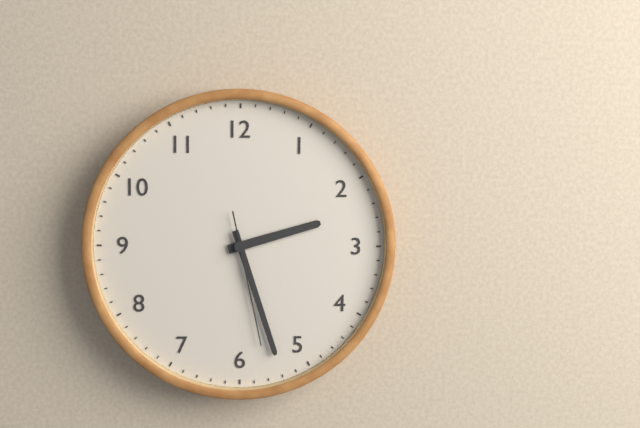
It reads 2:27:28
